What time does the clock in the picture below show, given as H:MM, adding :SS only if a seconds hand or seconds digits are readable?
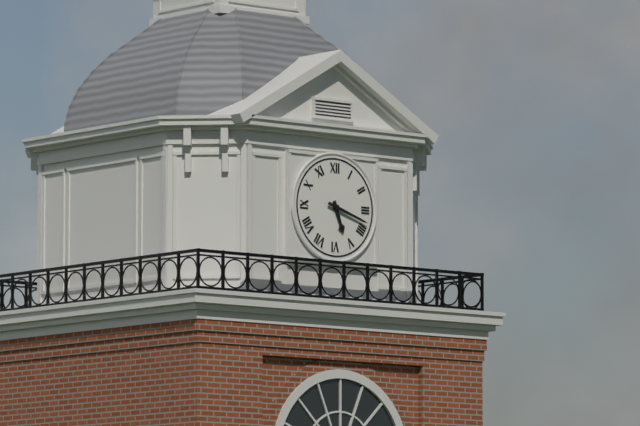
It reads 5:18
